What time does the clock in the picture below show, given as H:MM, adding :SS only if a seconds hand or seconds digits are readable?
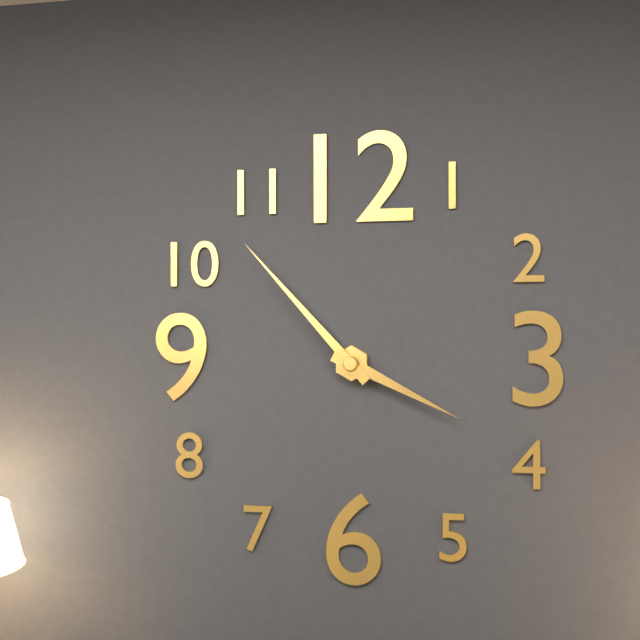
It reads 3:53
